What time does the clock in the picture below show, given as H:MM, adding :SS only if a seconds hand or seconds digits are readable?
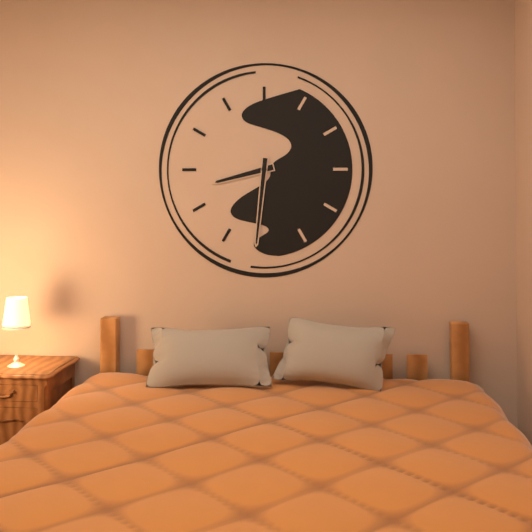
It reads 8:31
